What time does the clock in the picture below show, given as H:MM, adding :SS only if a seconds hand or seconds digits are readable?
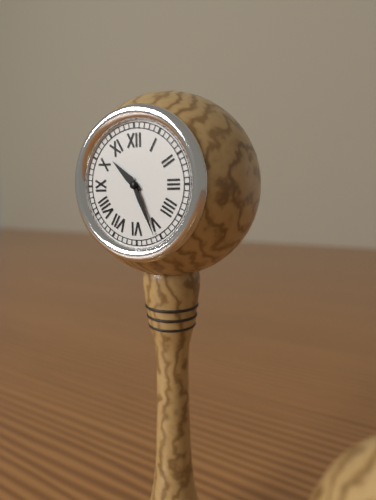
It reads 10:26
